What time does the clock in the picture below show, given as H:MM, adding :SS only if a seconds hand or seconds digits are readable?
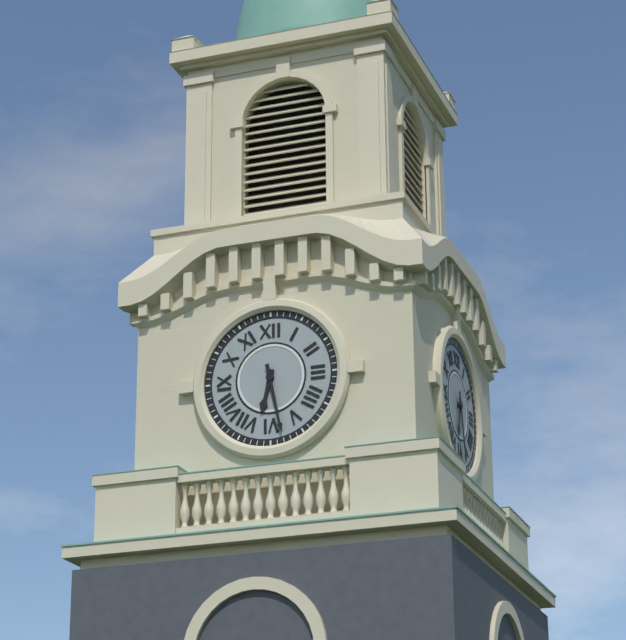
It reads 6:28
